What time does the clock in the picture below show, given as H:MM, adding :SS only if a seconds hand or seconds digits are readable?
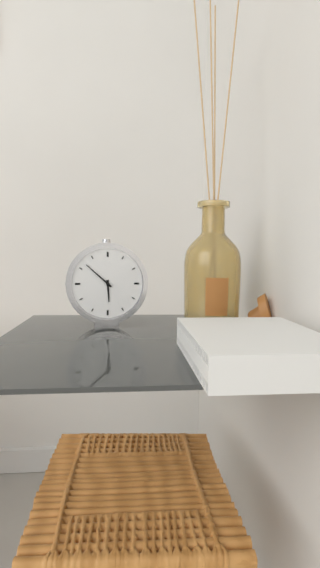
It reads 5:52
